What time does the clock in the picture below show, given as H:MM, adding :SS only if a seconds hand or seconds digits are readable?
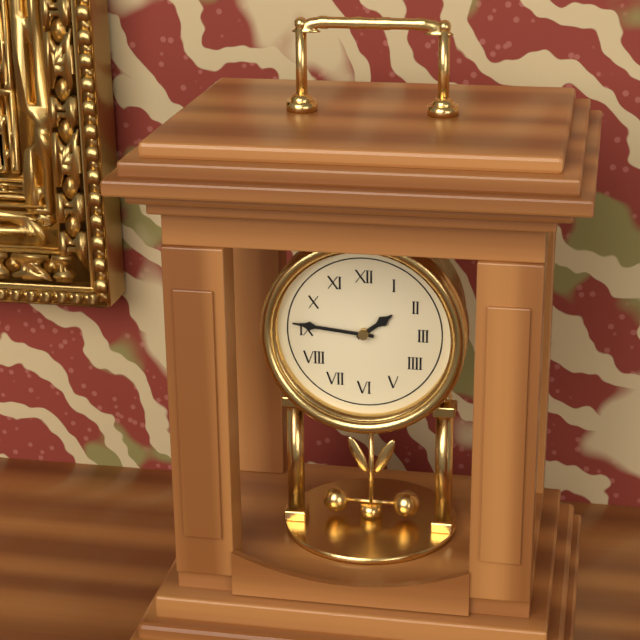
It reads 1:46
